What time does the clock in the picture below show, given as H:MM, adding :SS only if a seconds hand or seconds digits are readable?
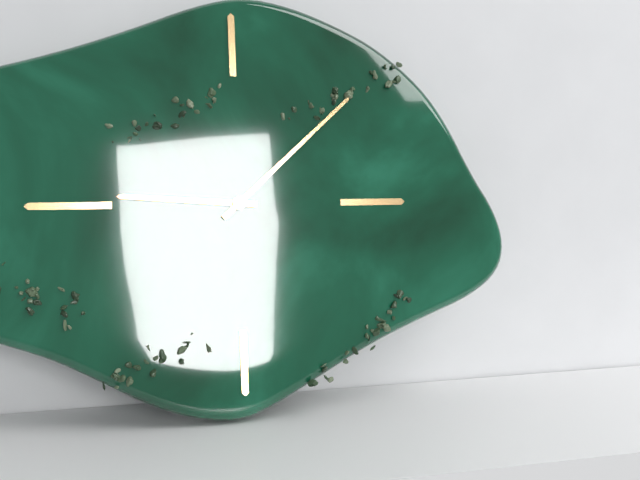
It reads 9:08
